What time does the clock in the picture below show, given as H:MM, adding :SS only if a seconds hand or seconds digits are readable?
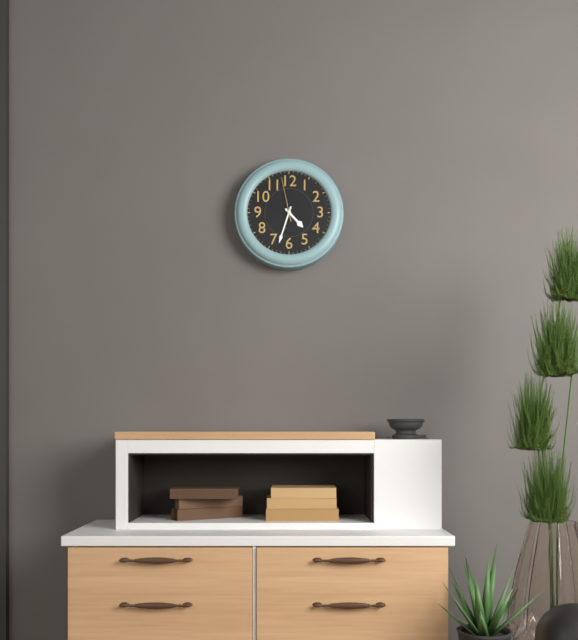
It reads 4:33
